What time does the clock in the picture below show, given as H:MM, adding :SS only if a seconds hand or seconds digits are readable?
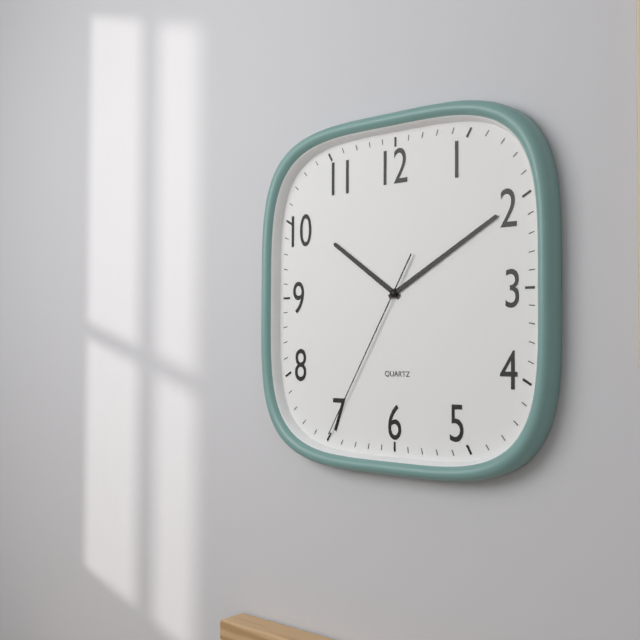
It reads 10:10:35
